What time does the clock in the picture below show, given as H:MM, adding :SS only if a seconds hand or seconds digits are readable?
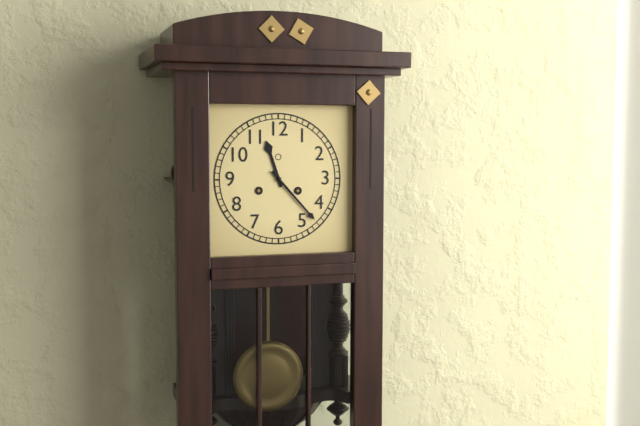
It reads 11:23
